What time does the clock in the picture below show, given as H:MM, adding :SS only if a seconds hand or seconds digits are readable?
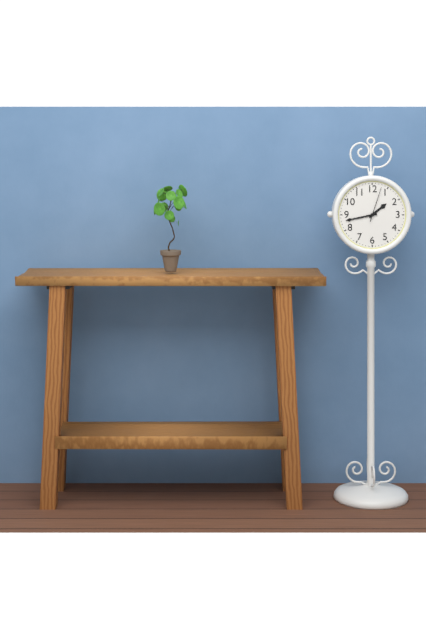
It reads 1:43
